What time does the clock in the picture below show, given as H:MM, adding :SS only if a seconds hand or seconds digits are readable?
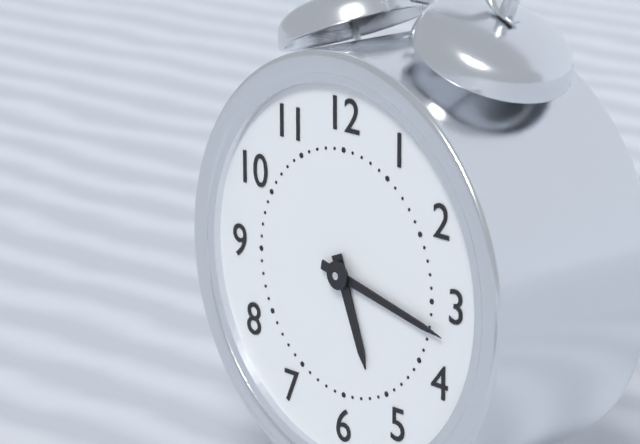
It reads 5:17
